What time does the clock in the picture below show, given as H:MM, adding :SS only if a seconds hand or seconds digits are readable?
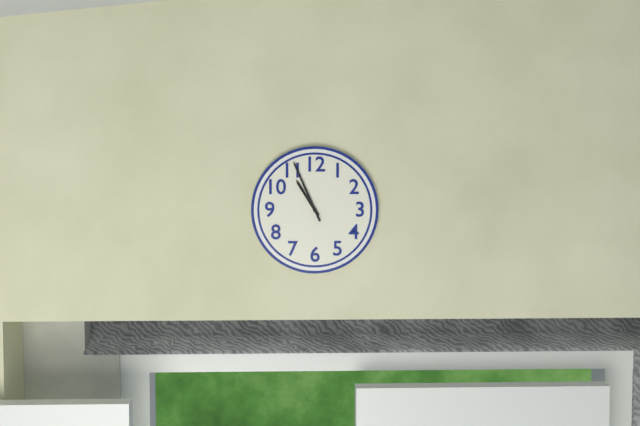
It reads 10:56
